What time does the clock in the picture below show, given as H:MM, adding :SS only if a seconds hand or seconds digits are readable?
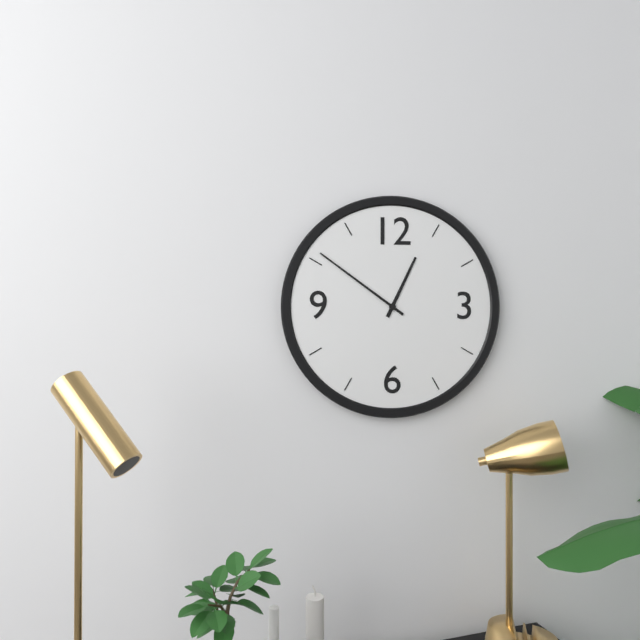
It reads 12:51
